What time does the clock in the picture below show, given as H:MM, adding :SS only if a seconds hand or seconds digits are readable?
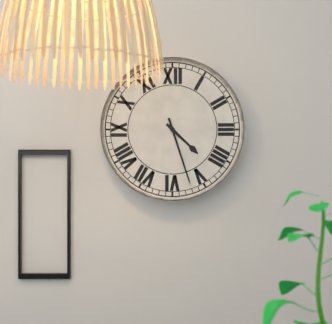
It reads 4:27
